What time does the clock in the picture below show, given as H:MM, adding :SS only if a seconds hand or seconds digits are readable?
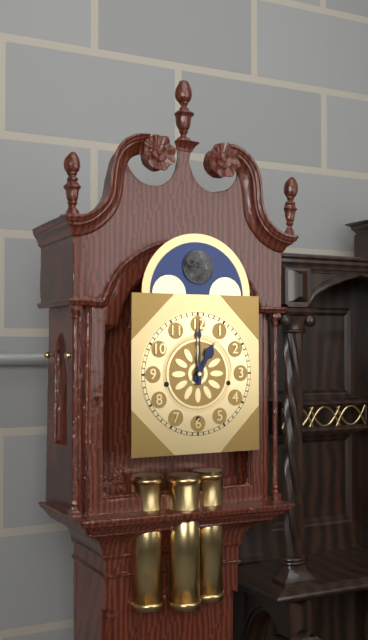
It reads 1:00
